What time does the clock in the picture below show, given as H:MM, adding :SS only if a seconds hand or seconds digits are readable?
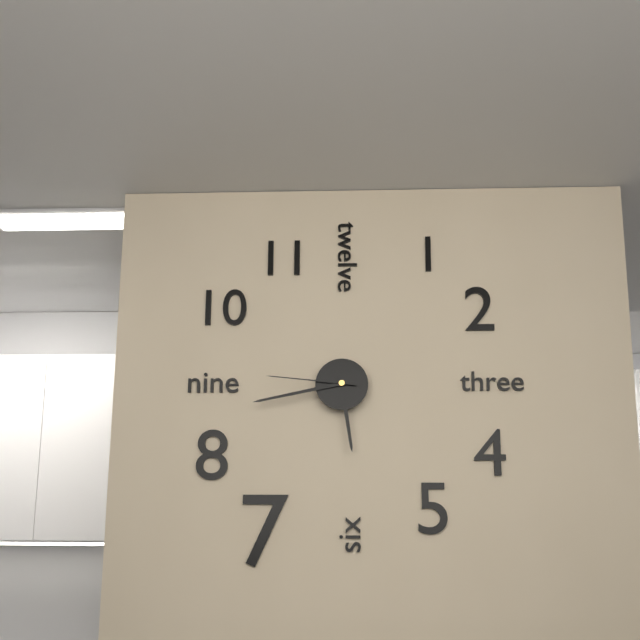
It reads 5:43:46
